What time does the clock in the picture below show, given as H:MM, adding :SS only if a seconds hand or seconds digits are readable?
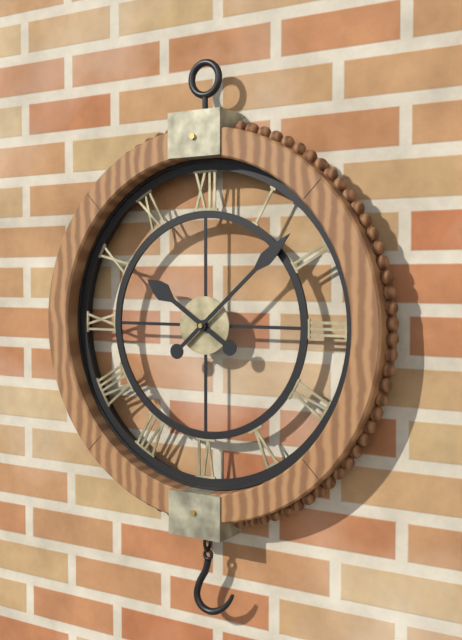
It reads 10:08
